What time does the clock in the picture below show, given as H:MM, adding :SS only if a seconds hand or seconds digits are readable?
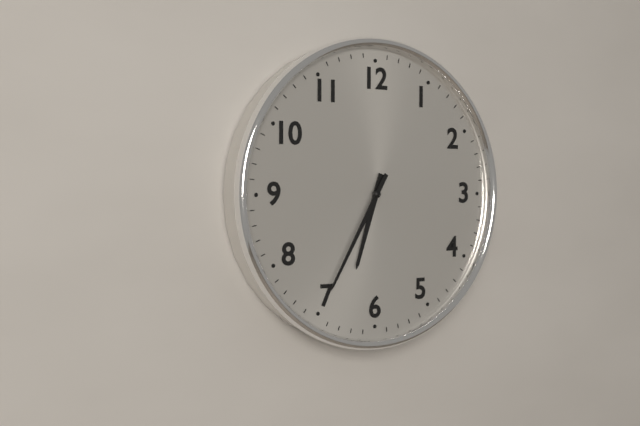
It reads 6:35
